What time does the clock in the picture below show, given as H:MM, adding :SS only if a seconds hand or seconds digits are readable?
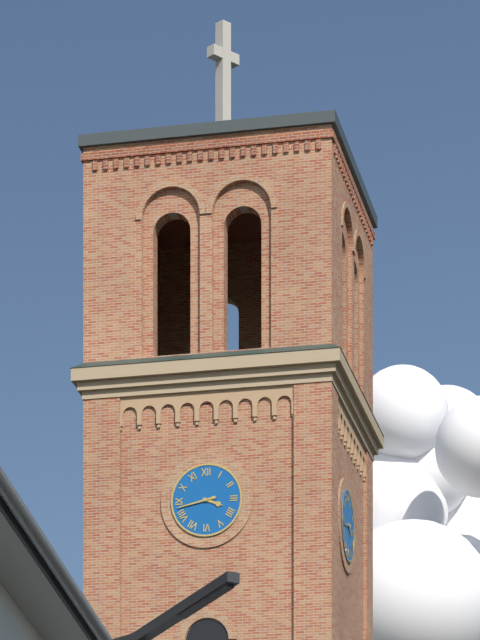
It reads 3:43
